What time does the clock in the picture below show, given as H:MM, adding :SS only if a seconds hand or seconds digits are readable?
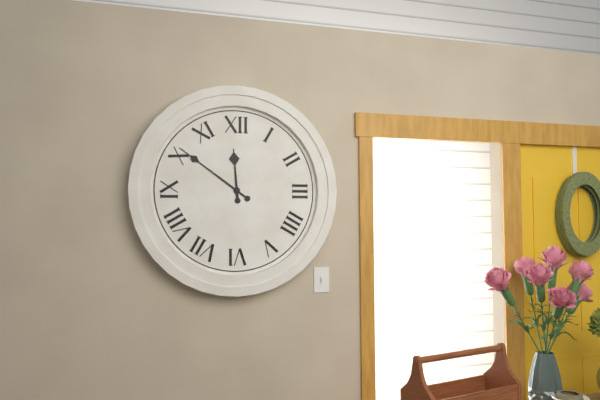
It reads 11:51
